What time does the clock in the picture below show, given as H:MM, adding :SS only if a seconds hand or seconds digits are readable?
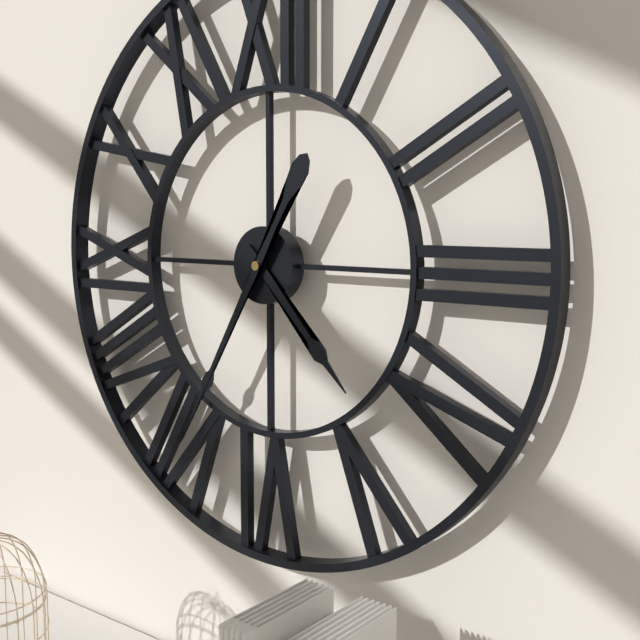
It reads 4:35
